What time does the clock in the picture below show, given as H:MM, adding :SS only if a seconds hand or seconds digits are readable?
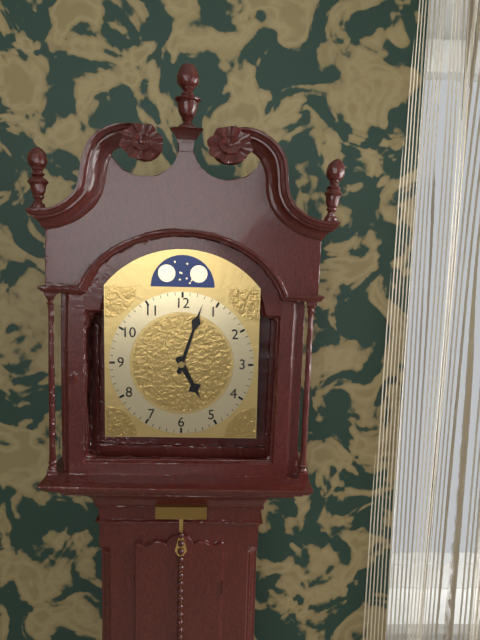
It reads 5:03
